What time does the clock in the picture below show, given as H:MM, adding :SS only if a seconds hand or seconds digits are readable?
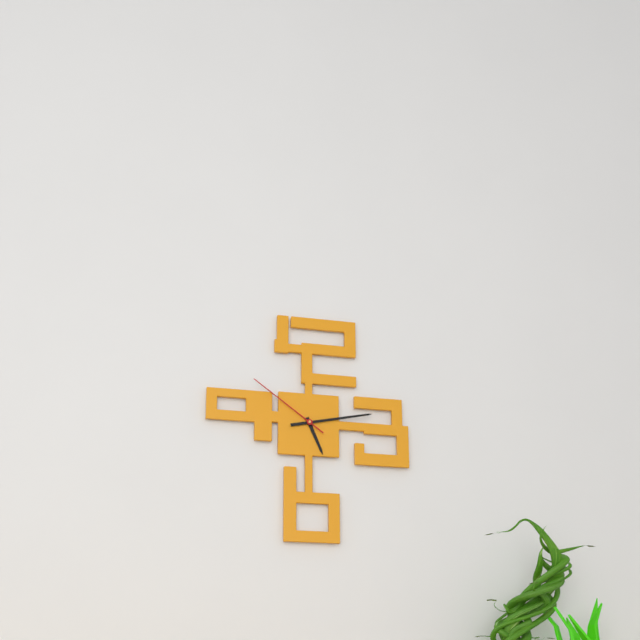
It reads 5:13:51
